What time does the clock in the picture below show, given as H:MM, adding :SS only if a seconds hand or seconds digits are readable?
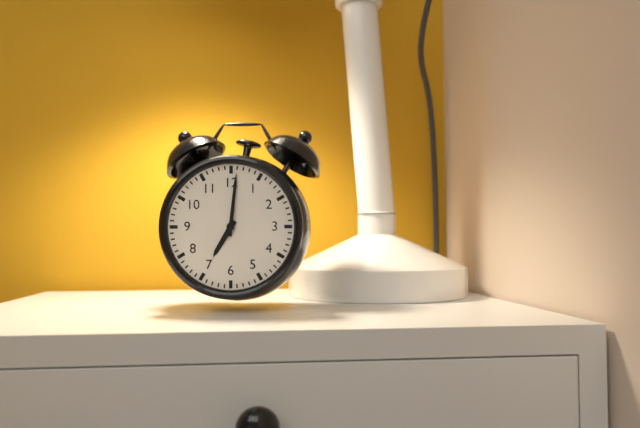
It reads 7:01
